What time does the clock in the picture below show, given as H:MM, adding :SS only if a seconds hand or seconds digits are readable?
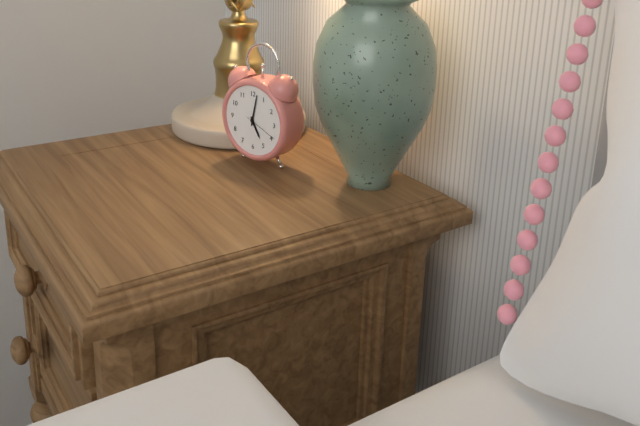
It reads 5:02
